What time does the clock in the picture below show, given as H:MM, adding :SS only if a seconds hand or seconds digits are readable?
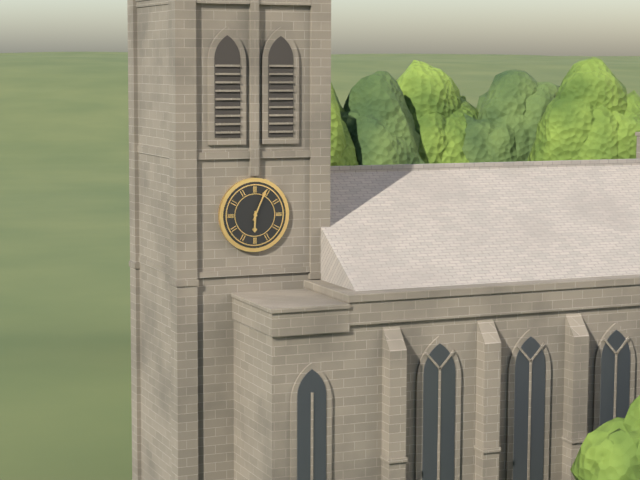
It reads 6:04
